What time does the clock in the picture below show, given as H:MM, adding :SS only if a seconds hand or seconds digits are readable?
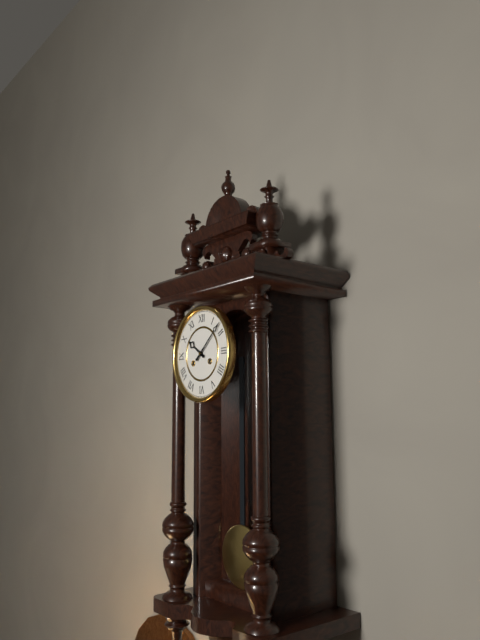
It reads 10:08
